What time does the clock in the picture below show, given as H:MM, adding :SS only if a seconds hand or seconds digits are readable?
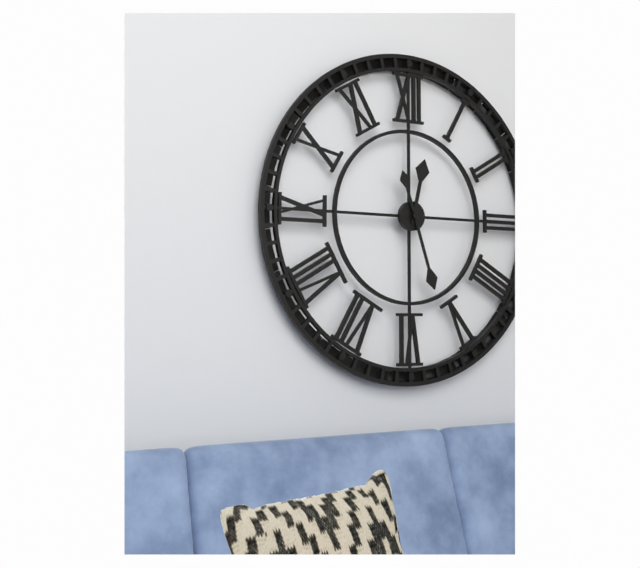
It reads 12:27
